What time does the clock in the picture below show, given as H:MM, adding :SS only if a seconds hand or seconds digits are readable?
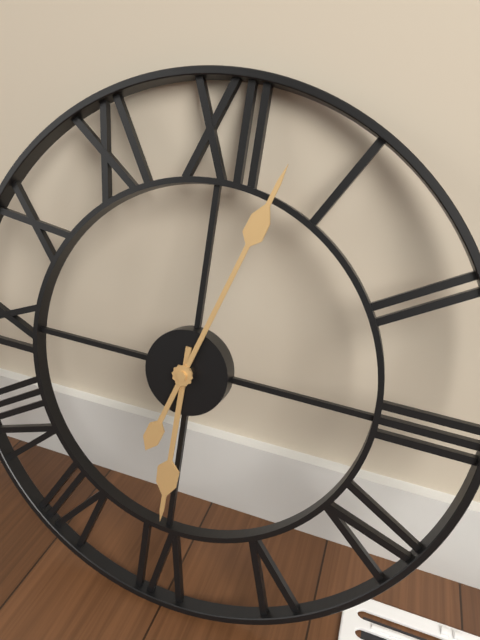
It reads 6:03
